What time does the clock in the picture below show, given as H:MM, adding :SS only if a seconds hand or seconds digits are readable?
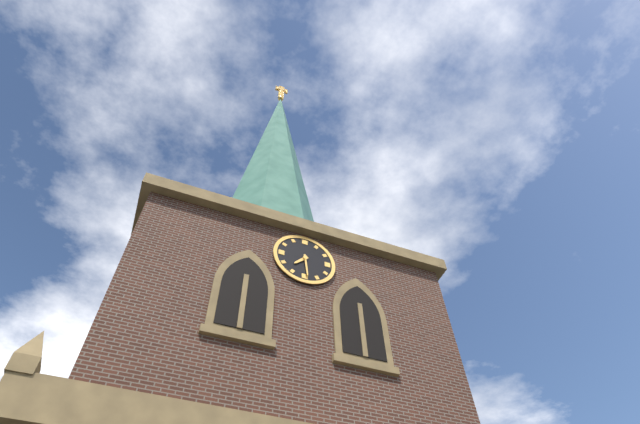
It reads 7:29
